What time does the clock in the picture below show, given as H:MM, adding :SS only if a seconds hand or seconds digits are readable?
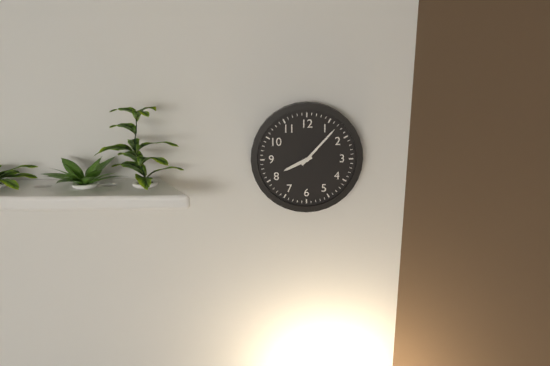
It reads 8:07
